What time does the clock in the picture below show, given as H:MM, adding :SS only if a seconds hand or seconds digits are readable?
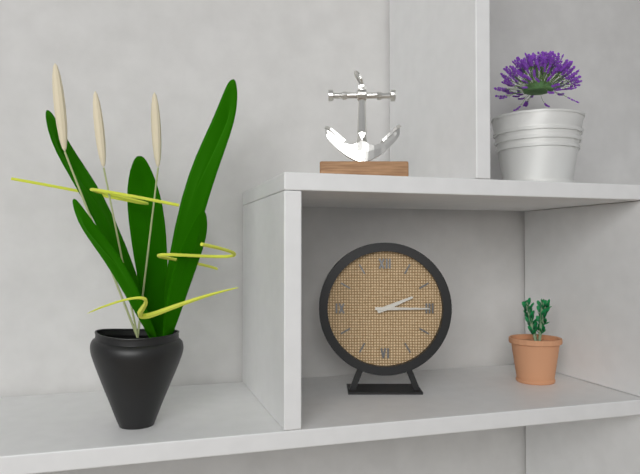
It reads 2:15
